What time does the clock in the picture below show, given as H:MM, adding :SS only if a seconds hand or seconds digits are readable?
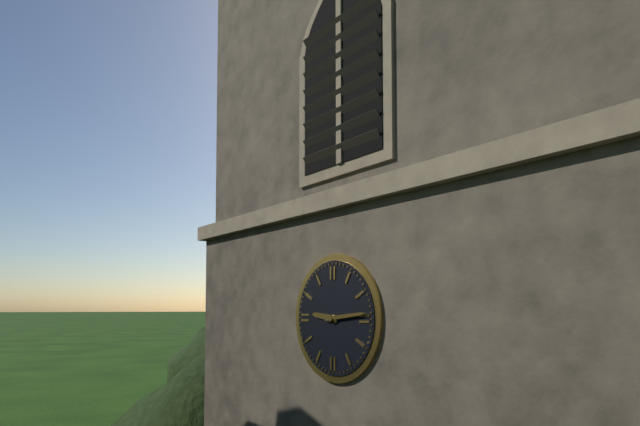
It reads 9:14
